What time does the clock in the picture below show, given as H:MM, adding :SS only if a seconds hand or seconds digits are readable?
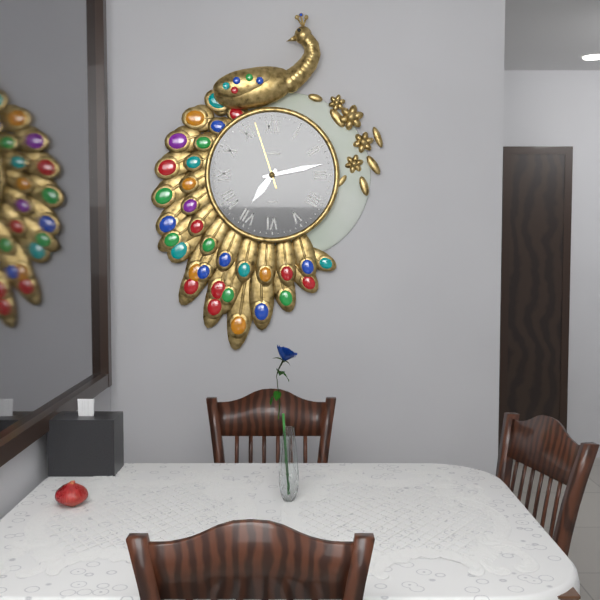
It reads 7:13:57
